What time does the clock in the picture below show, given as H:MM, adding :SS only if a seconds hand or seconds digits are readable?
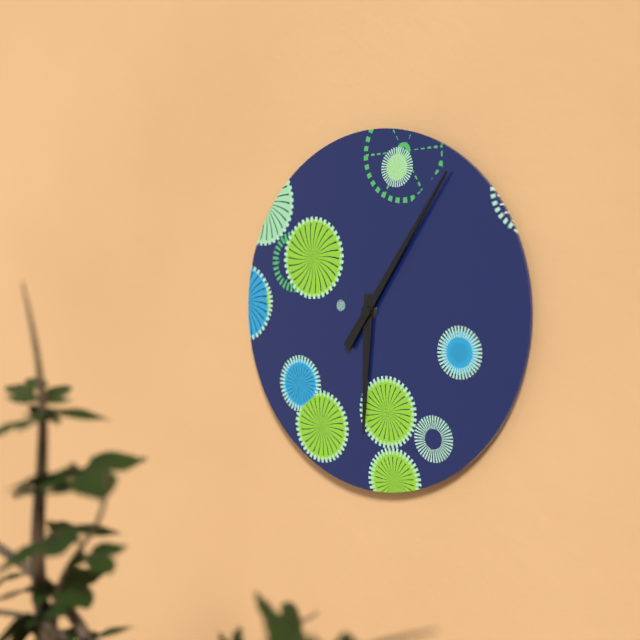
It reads 6:06
